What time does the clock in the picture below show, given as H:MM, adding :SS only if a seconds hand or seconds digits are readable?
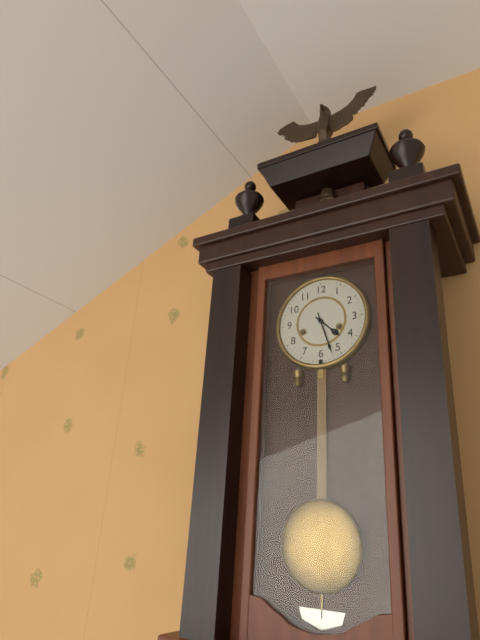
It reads 4:27
